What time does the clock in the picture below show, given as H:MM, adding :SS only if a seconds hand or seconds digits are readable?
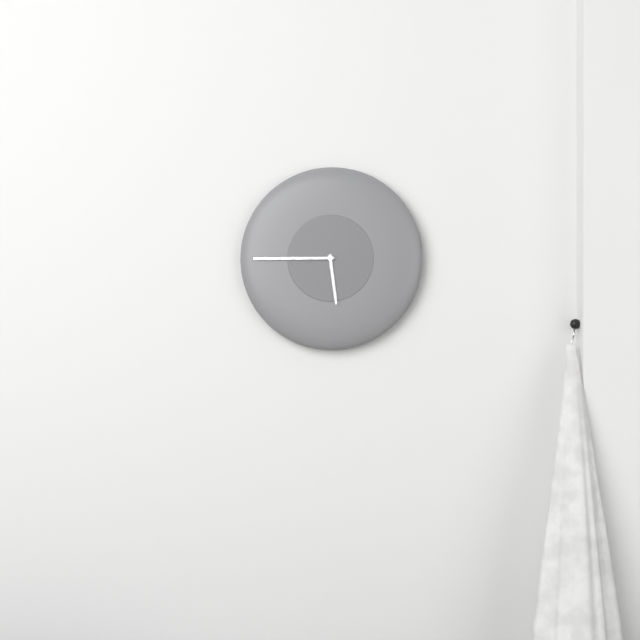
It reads 5:45
